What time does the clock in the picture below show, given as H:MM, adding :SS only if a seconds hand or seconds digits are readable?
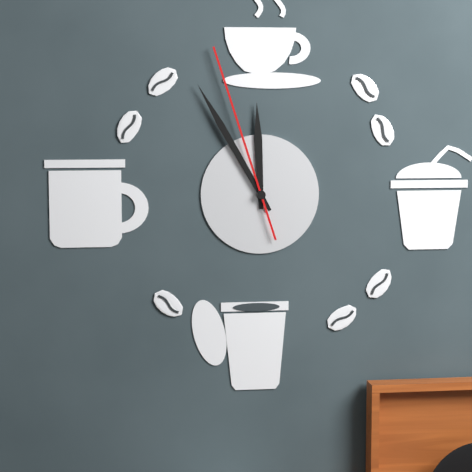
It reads 11:55:57
